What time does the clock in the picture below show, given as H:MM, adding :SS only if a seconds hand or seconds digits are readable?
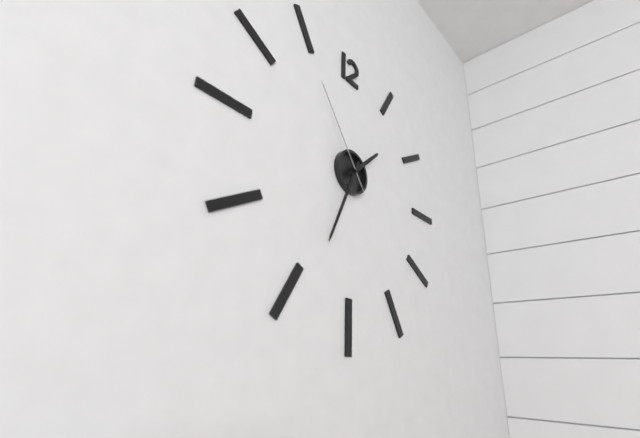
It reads 1:34:54
